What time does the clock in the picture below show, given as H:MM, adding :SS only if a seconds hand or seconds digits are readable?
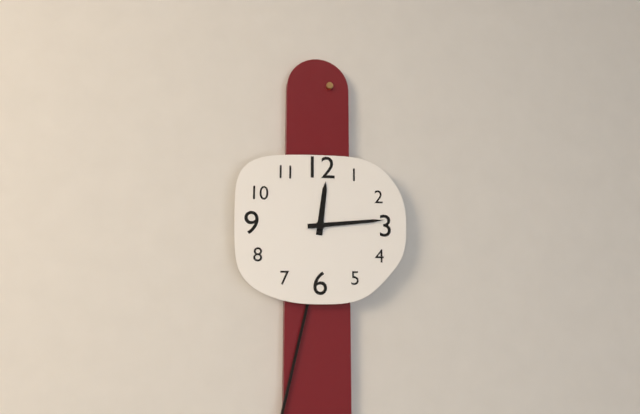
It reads 12:14
